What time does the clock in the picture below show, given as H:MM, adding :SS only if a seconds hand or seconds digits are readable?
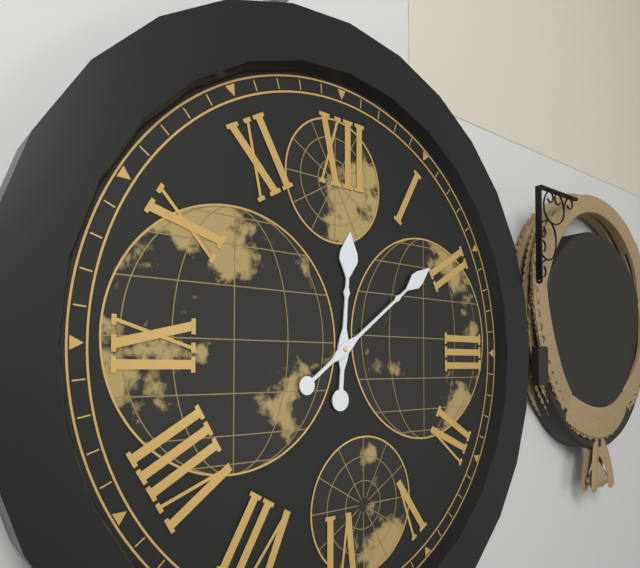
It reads 12:09
